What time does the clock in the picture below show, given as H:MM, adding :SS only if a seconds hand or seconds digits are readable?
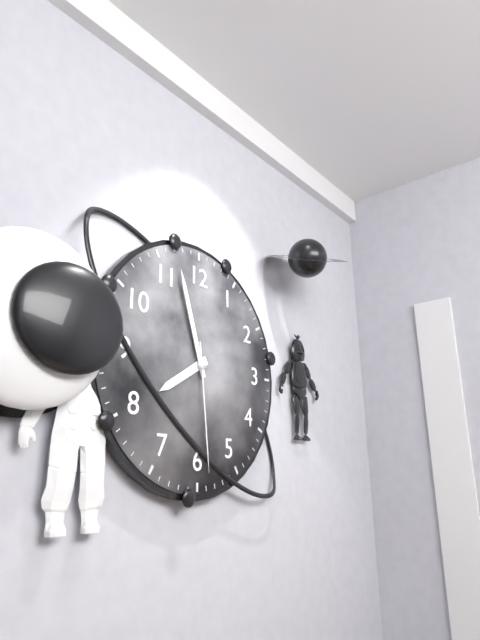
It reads 7:57:29
